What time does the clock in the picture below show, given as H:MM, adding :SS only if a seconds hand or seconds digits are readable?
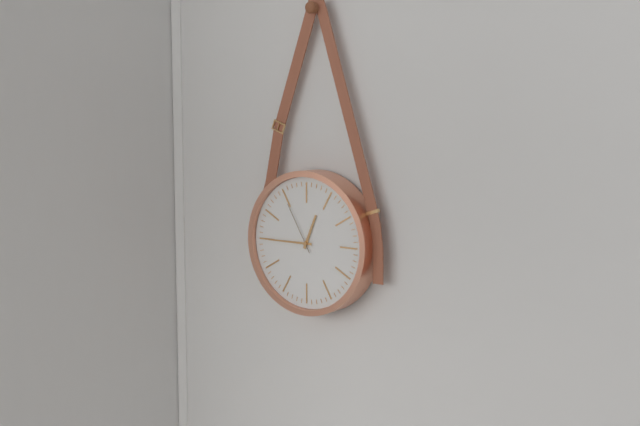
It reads 12:45:55
